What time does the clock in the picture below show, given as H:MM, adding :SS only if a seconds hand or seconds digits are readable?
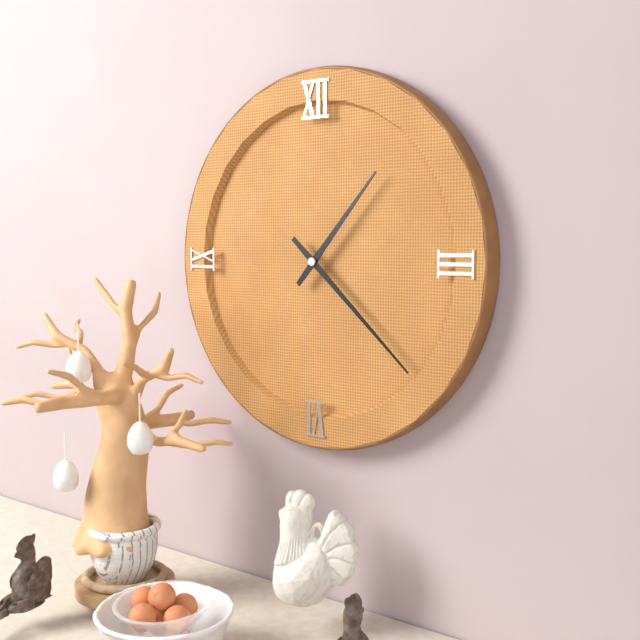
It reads 1:22
